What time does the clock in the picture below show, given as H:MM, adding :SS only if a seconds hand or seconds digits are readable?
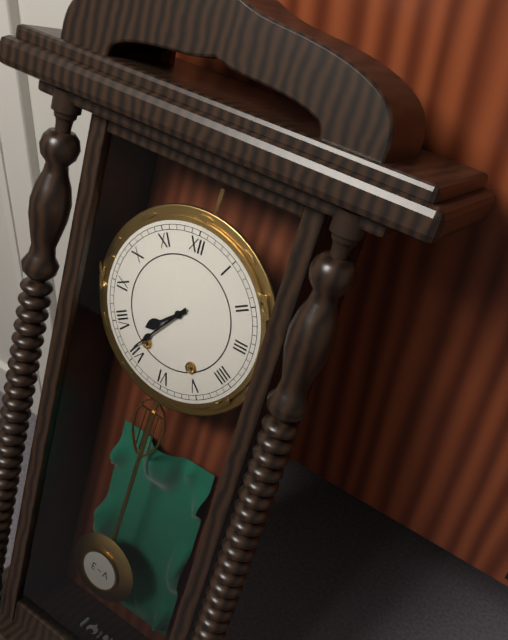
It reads 7:36
